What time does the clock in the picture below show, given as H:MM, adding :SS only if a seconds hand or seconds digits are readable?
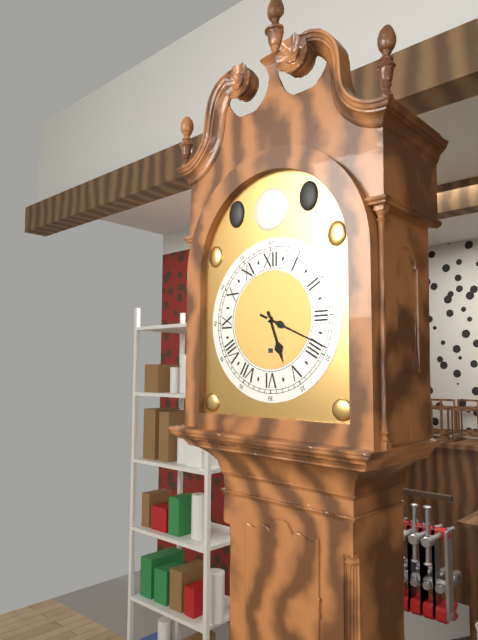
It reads 5:19
